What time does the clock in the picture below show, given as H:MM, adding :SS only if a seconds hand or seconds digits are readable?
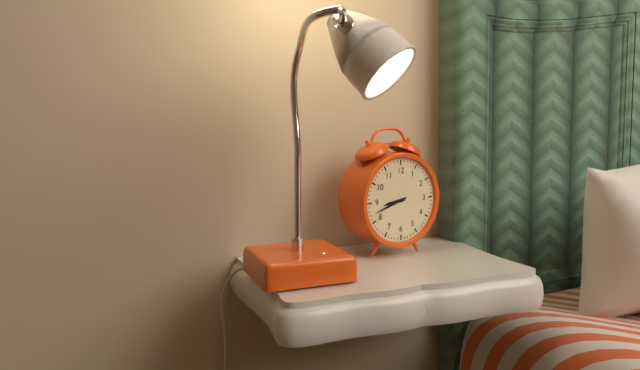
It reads 8:42
